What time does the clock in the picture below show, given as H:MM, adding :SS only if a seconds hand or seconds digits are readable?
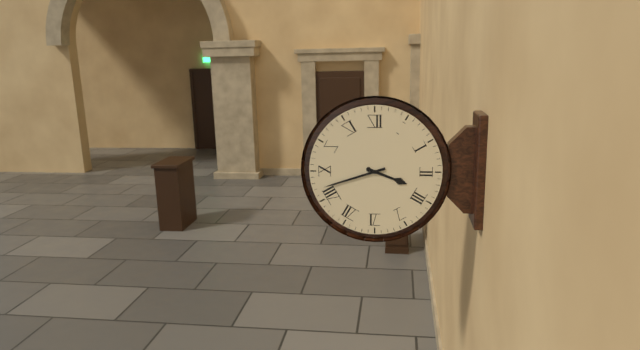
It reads 3:42
